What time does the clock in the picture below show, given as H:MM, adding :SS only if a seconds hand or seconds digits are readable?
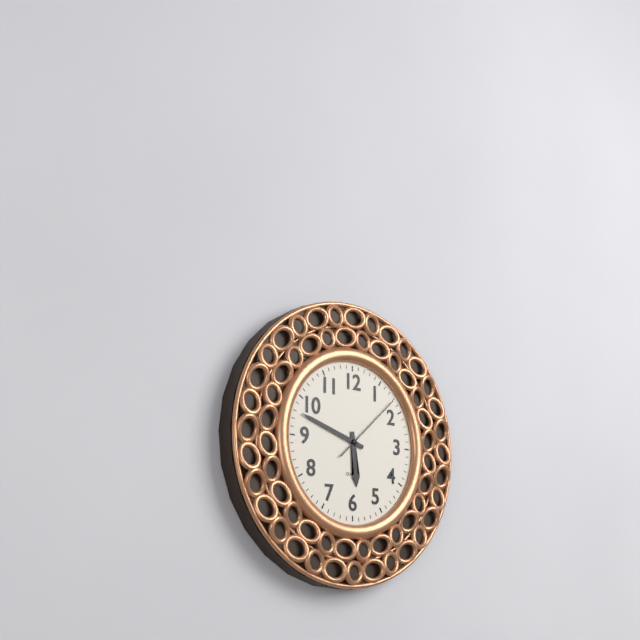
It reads 5:48:08
